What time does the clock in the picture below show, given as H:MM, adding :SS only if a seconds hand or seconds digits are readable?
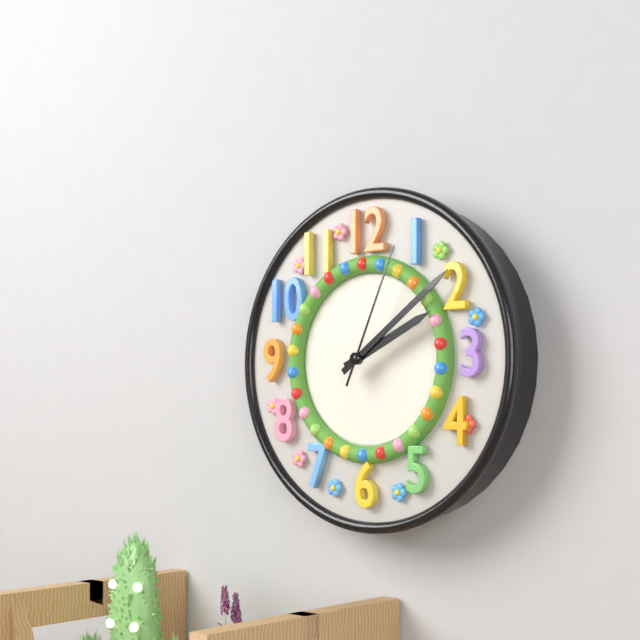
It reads 2:09:04
